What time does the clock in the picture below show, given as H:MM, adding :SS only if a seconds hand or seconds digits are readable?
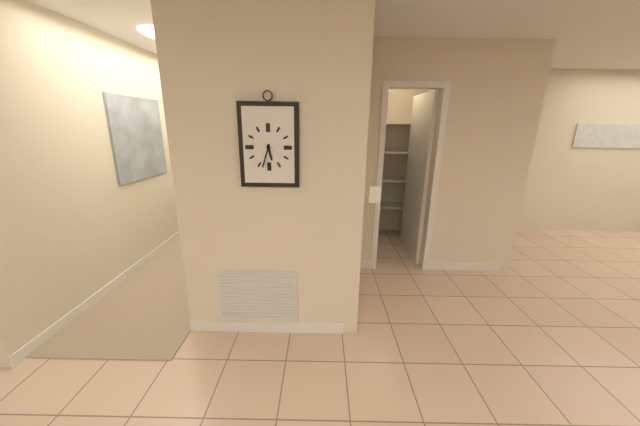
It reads 5:33
